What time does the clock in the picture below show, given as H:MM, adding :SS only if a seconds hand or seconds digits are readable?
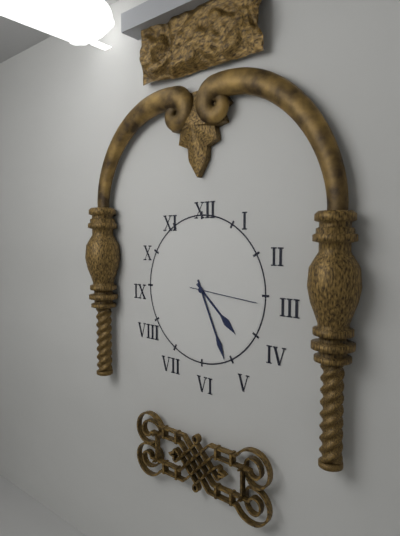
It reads 4:26:16
